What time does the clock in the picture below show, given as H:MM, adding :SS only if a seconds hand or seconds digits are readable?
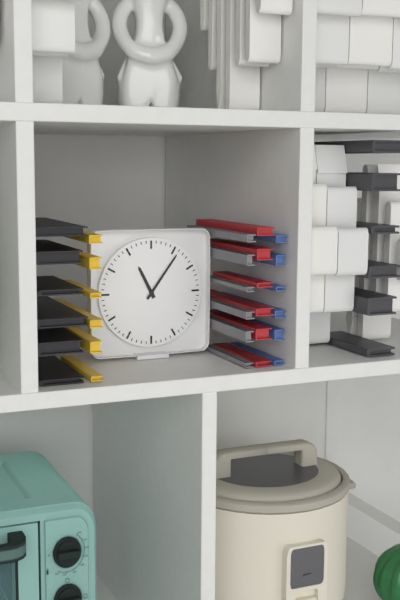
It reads 11:06
